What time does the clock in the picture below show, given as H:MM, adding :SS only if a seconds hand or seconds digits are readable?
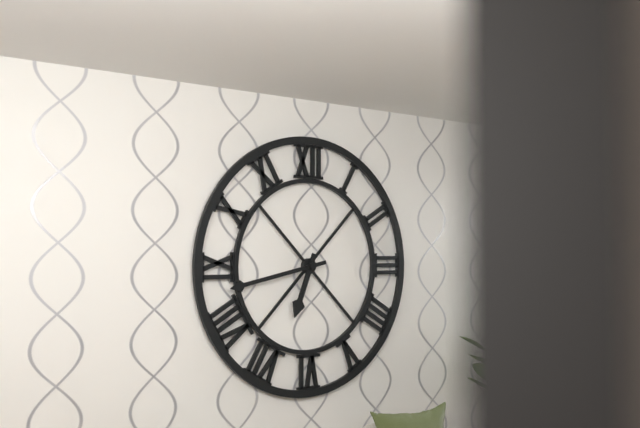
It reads 6:43
